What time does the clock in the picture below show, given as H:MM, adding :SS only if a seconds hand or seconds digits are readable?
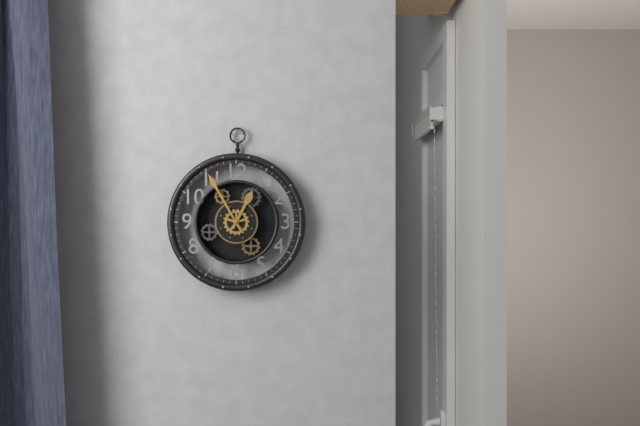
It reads 12:55
